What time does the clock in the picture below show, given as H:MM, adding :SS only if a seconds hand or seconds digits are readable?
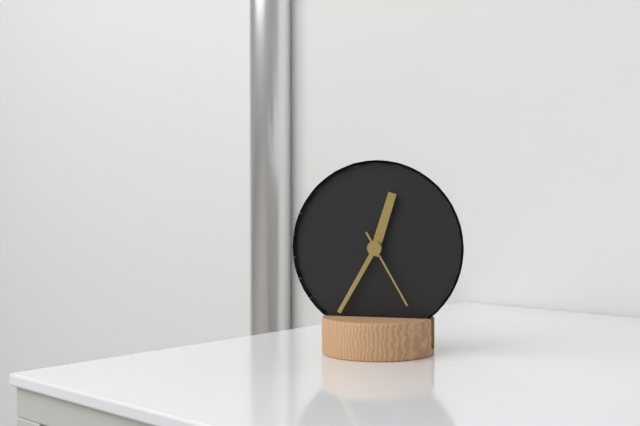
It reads 12:35:25
